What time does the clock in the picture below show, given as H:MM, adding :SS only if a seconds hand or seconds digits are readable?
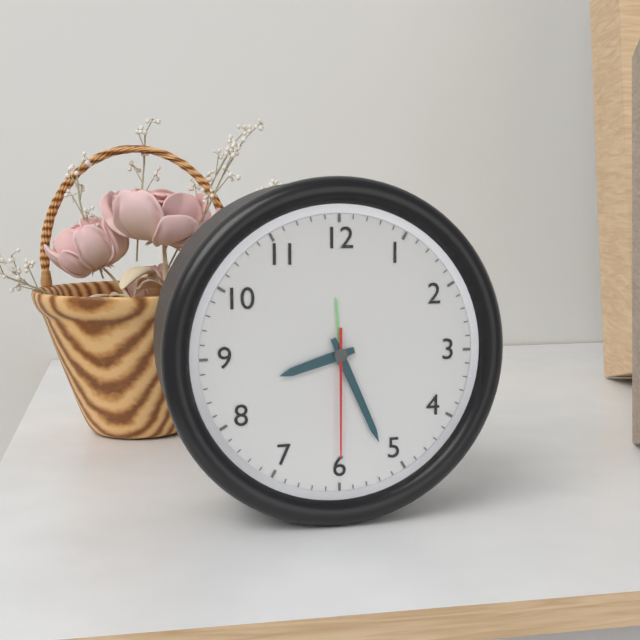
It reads 8:26:30
